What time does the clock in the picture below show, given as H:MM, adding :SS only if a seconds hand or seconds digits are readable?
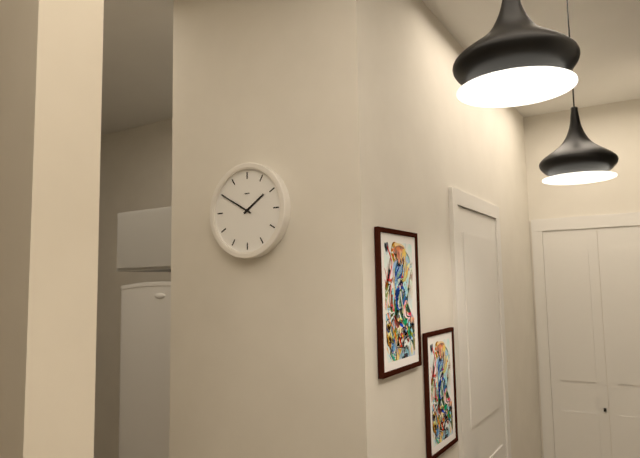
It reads 1:50
